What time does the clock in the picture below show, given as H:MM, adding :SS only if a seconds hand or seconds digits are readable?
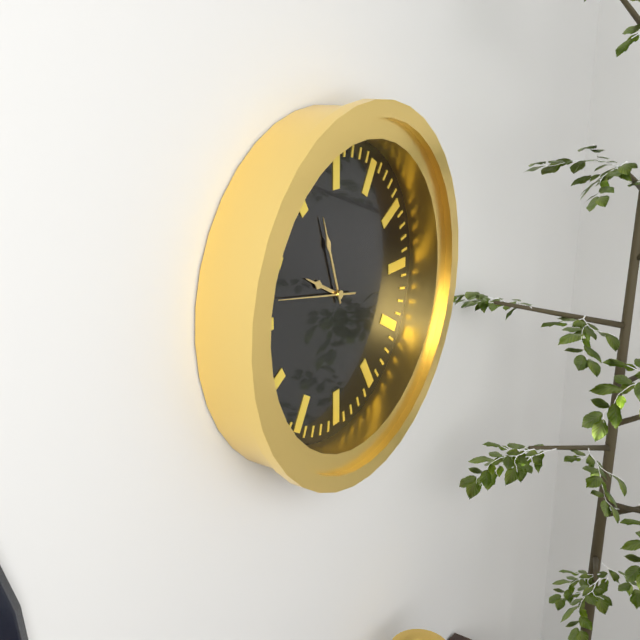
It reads 9:57:47
